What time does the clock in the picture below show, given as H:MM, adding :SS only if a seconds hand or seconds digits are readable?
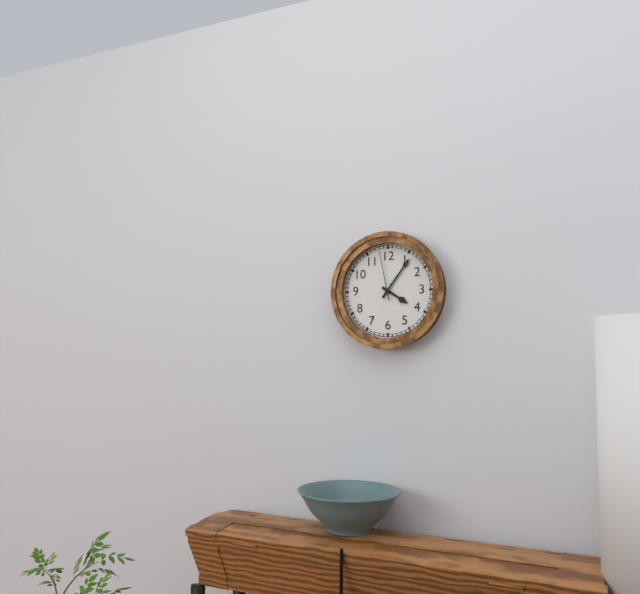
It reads 4:06:58
